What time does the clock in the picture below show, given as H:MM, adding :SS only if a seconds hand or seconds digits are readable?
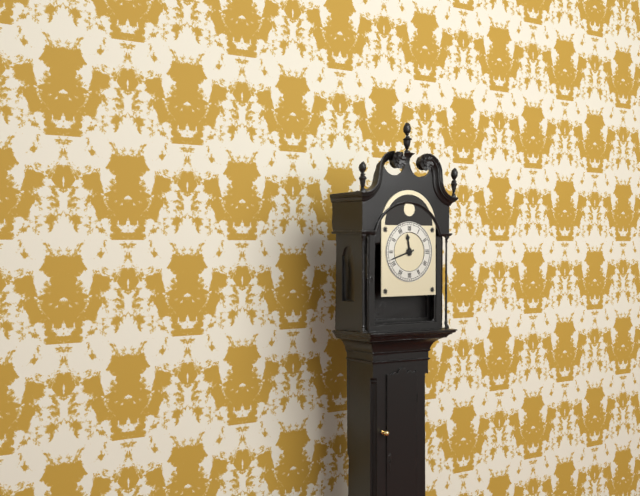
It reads 11:42
